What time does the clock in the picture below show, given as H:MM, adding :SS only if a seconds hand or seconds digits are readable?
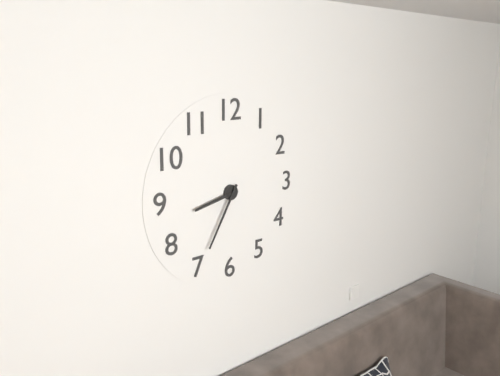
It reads 8:35
